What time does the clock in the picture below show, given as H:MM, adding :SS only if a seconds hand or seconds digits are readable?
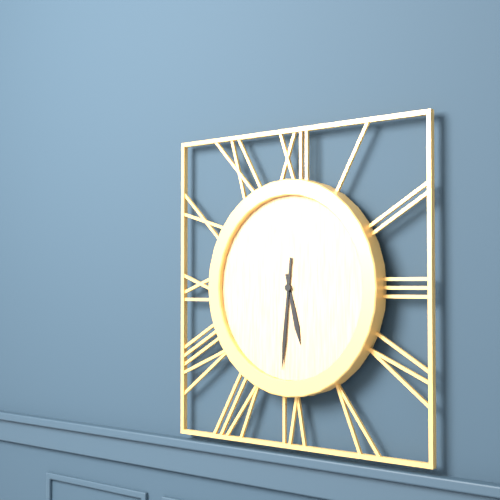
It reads 5:31
